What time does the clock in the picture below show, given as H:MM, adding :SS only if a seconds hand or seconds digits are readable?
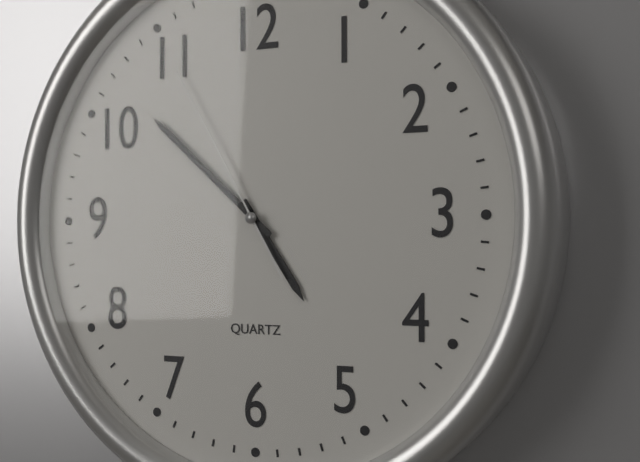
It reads 4:52:55
